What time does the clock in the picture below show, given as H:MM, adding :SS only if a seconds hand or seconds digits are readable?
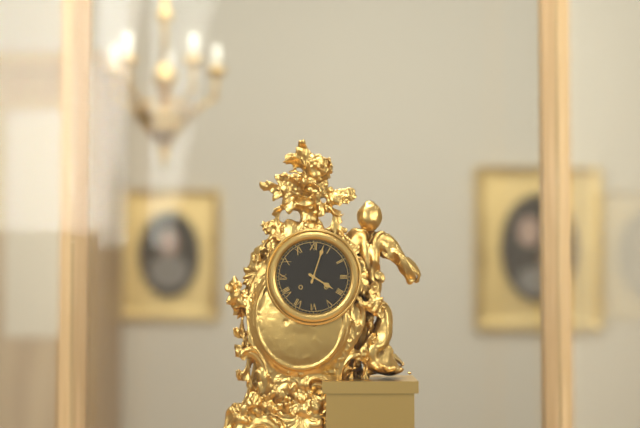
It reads 4:03
